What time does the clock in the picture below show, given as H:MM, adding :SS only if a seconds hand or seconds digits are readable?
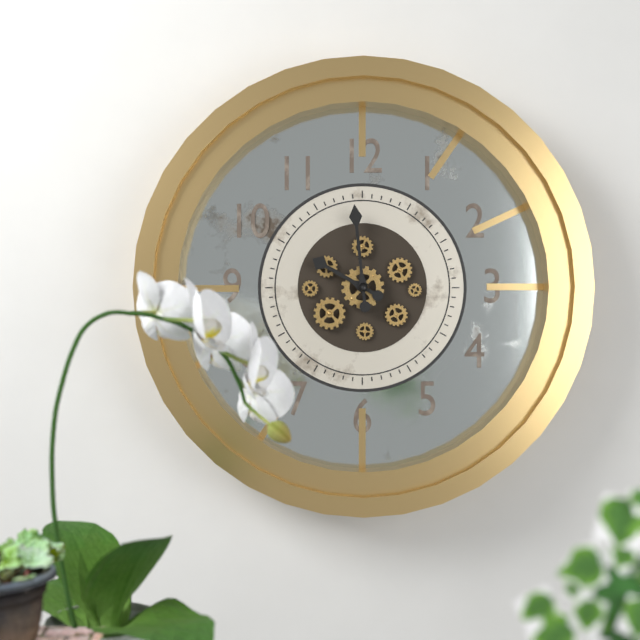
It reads 9:59
